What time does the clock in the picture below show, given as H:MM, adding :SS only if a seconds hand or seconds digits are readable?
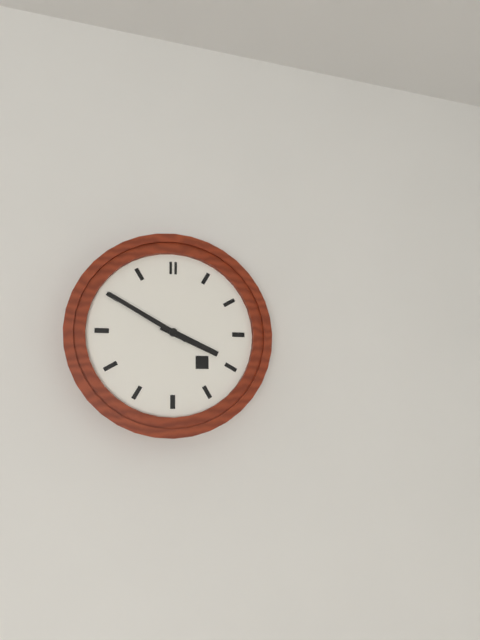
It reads 3:50
